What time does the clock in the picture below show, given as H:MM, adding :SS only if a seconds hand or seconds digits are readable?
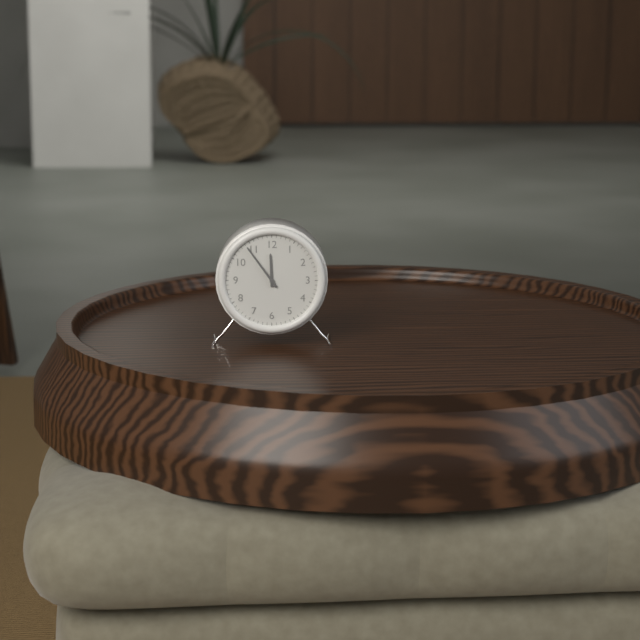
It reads 11:54
